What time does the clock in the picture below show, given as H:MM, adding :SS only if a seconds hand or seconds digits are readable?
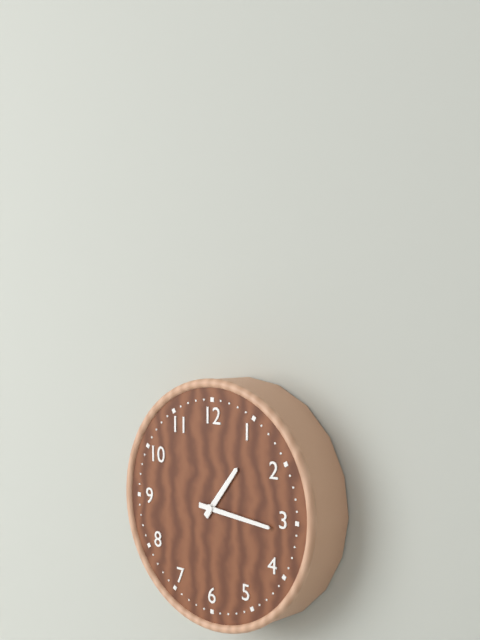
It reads 1:16
